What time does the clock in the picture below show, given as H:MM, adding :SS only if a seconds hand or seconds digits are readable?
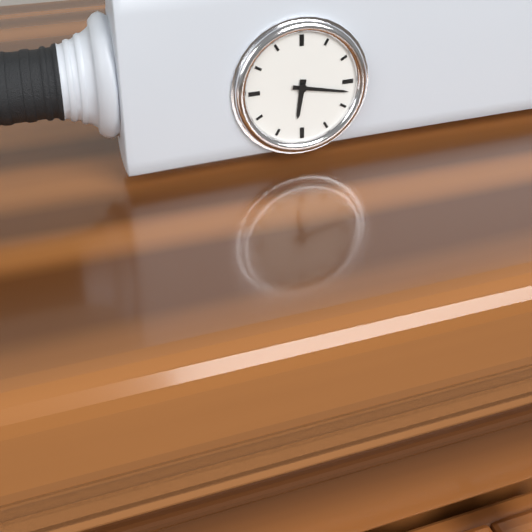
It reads 6:17
